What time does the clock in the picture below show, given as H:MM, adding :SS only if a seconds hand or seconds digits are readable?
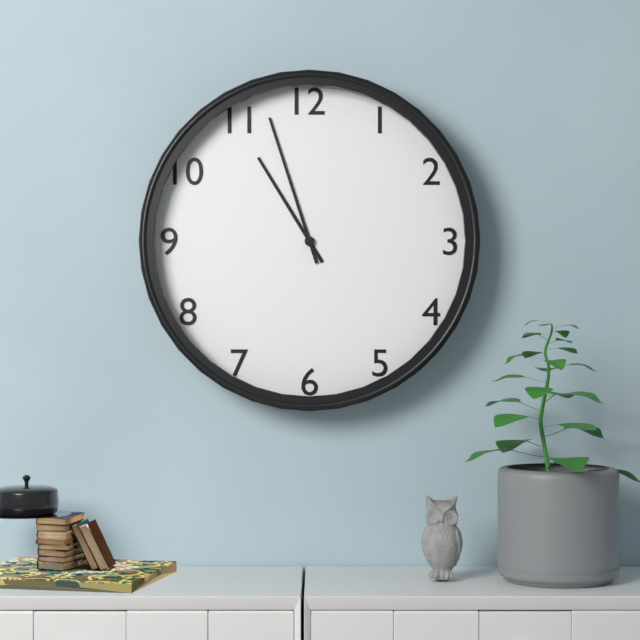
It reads 10:57
